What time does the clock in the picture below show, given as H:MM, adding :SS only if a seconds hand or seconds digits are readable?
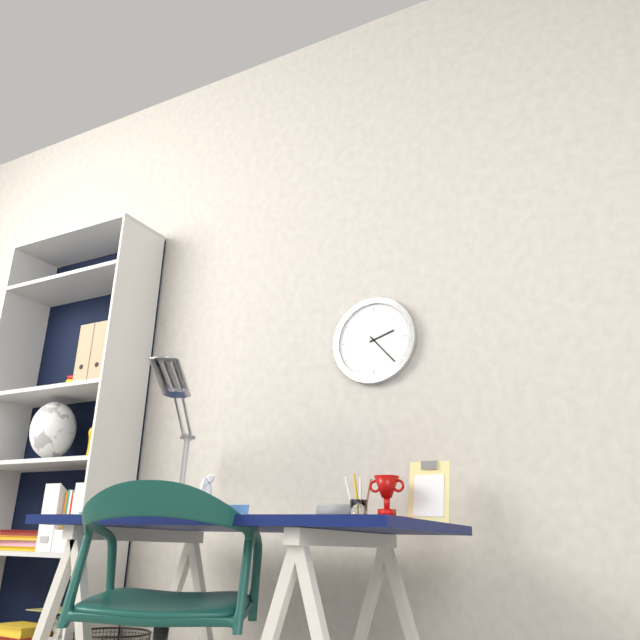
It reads 2:23
